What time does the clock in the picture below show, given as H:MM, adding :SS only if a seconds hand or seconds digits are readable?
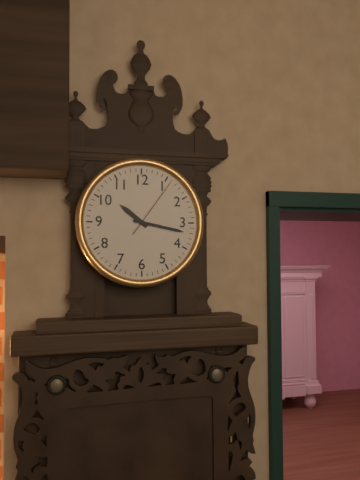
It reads 10:17:06
